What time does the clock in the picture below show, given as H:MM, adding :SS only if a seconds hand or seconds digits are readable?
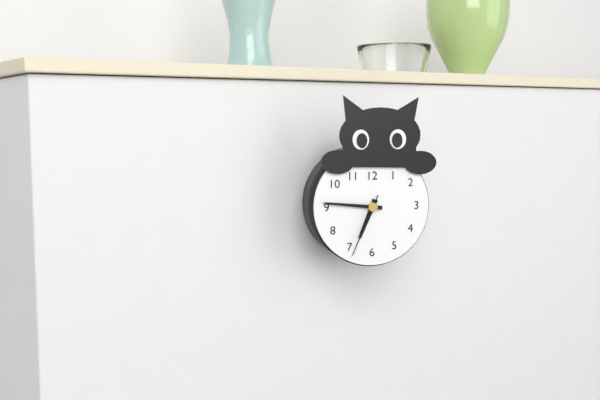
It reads 6:46:34
